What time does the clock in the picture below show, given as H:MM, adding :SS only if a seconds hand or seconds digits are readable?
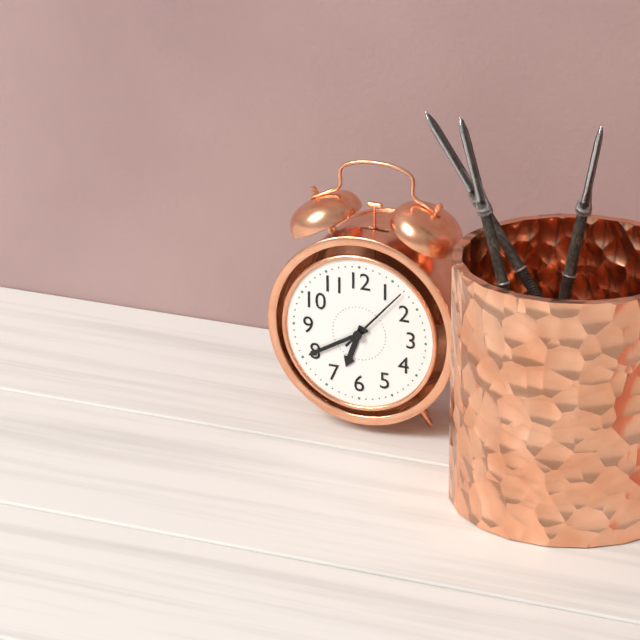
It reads 6:40:07
